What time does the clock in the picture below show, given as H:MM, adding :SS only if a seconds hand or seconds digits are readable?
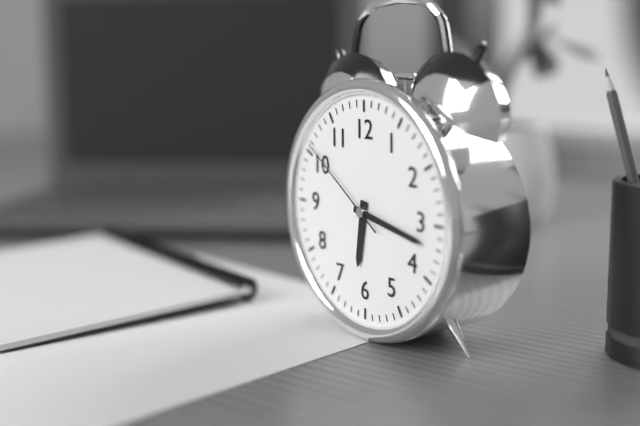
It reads 6:17:51
